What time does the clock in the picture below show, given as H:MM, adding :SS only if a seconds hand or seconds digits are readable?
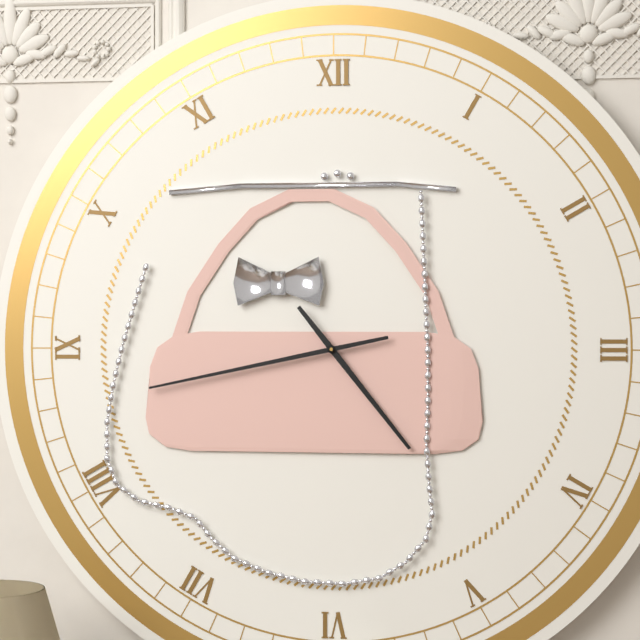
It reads 4:43
